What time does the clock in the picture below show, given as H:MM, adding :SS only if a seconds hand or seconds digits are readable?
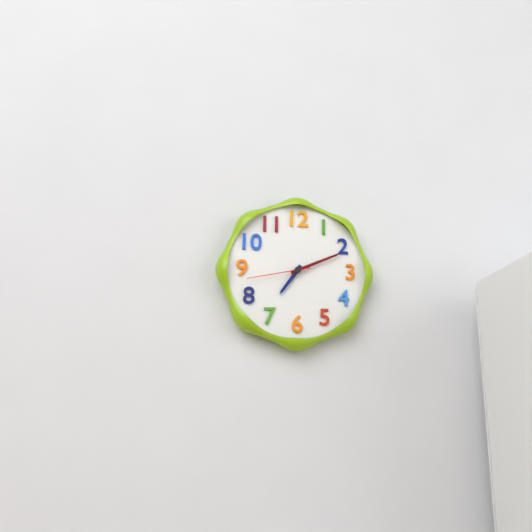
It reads 7:11:43
